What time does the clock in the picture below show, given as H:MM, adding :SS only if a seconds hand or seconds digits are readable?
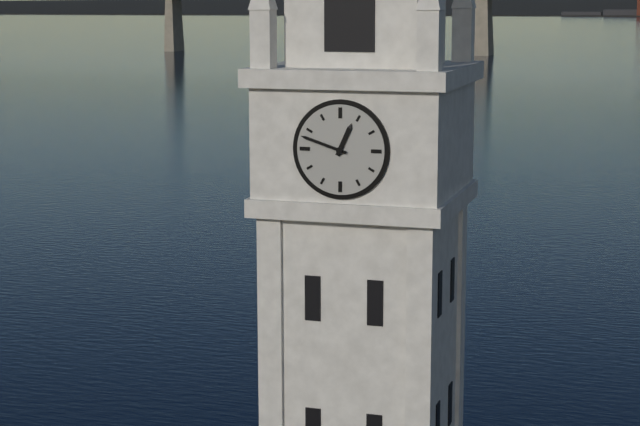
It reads 12:48
